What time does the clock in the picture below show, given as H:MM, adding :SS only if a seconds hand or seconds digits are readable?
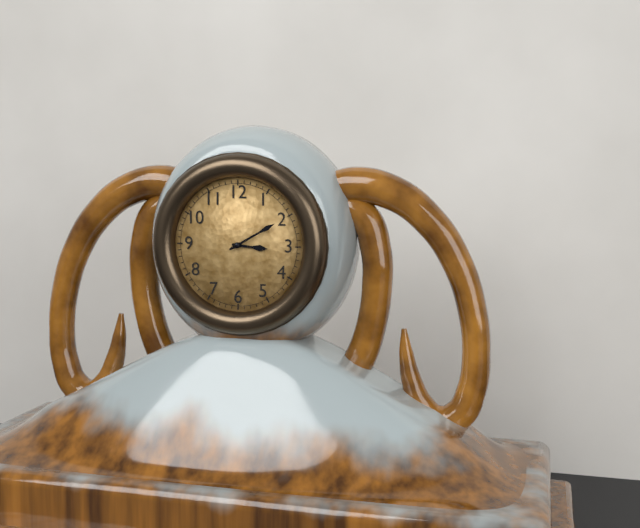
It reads 3:10
